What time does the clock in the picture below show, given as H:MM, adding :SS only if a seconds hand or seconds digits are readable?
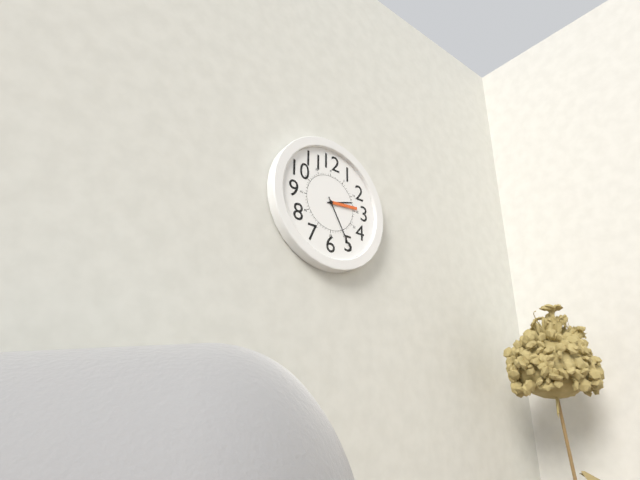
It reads 2:25
